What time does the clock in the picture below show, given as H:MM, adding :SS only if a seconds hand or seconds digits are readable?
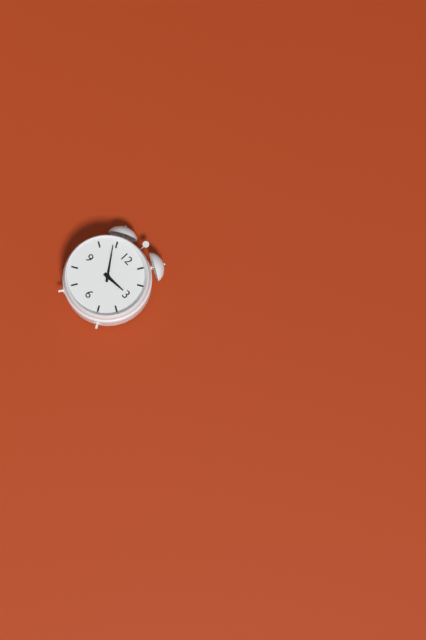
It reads 2:54
